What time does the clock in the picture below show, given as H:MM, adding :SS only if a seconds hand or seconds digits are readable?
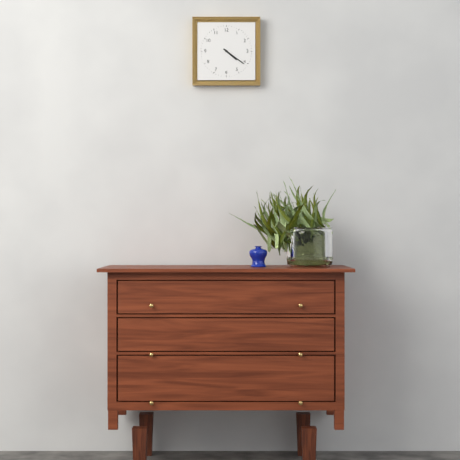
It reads 4:21
